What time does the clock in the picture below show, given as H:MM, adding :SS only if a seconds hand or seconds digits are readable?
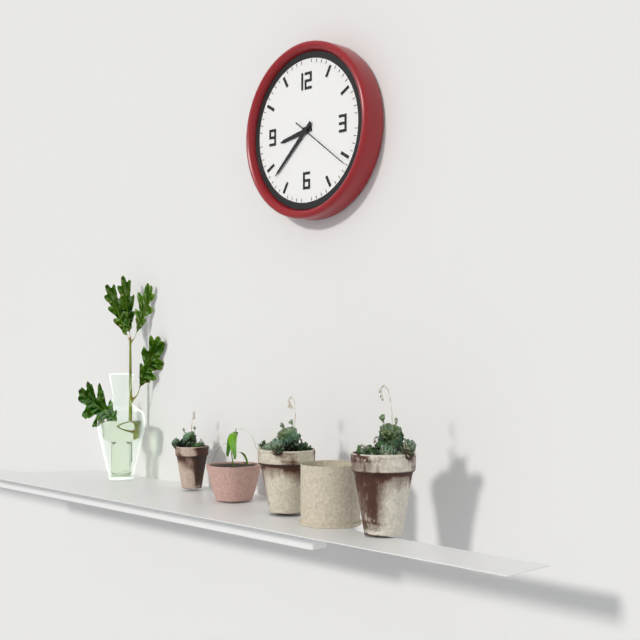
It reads 8:38:21
